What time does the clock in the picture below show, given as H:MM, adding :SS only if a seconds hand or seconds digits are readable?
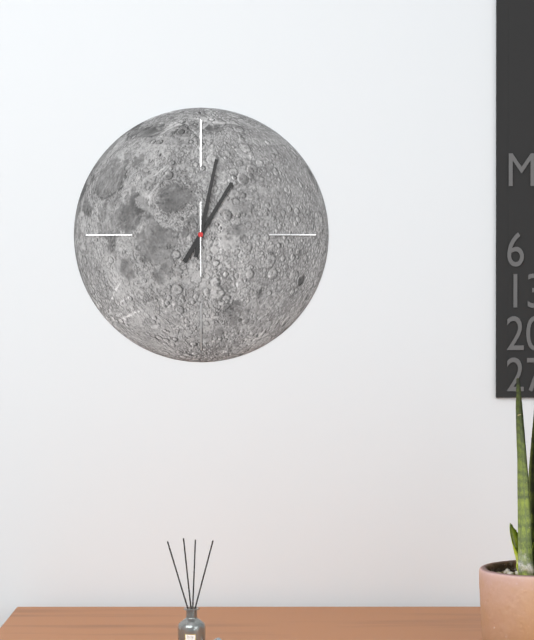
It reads 1:02:30
